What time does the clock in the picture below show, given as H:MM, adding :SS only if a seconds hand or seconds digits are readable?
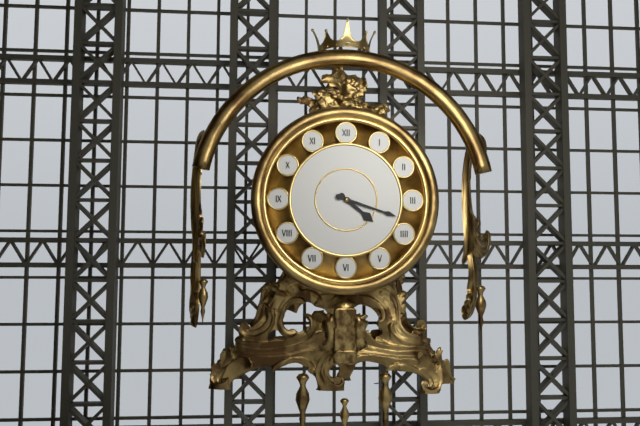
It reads 4:18
